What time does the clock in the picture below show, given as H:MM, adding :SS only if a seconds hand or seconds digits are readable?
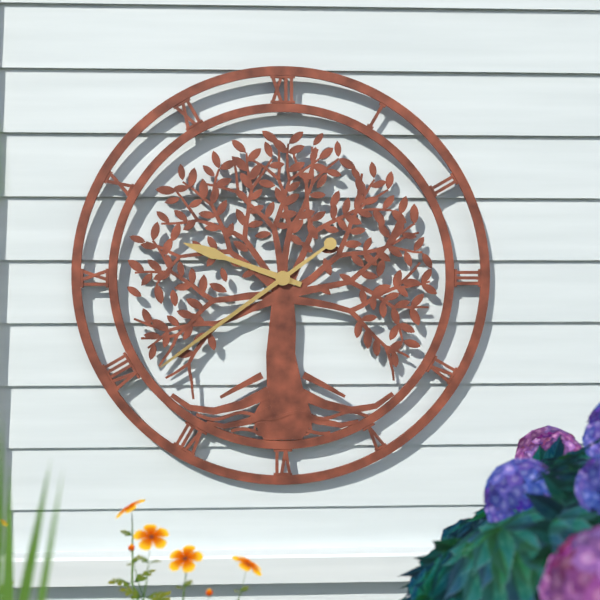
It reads 9:39
